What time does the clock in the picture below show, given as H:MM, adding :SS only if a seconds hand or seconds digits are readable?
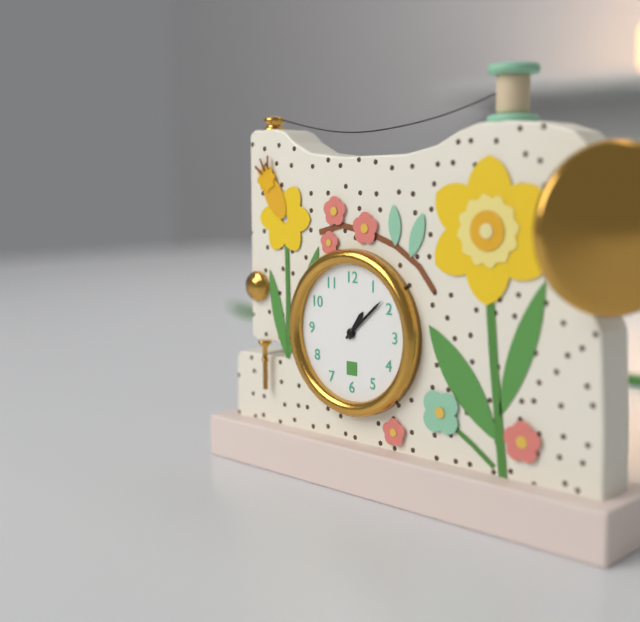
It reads 1:08
